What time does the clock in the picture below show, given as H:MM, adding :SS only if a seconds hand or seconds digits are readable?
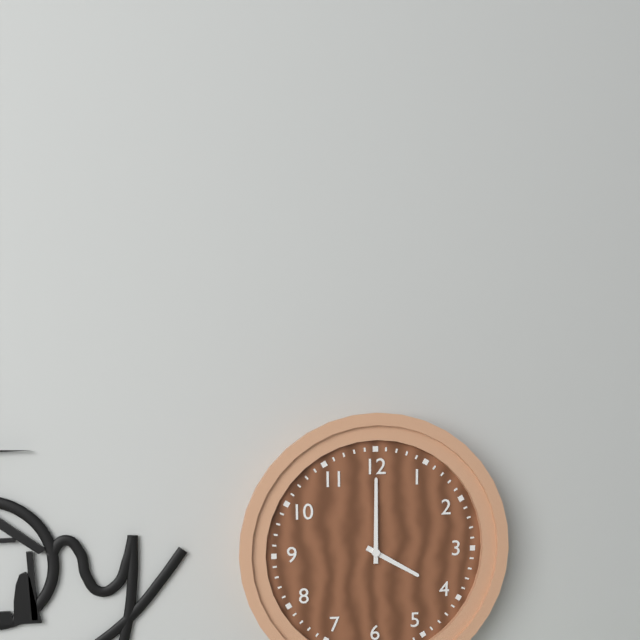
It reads 4:00
